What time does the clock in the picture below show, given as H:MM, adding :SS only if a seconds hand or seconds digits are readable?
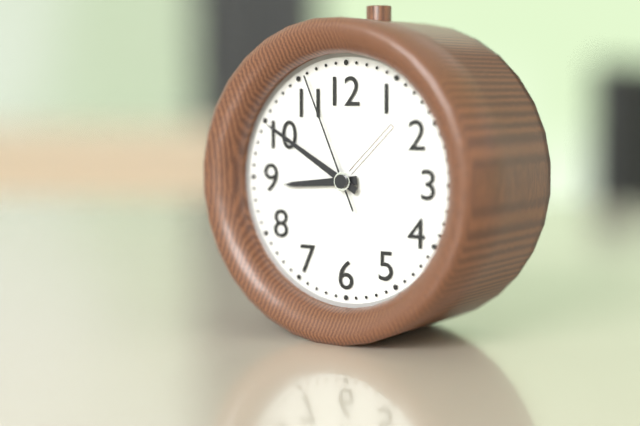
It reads 8:50:56
